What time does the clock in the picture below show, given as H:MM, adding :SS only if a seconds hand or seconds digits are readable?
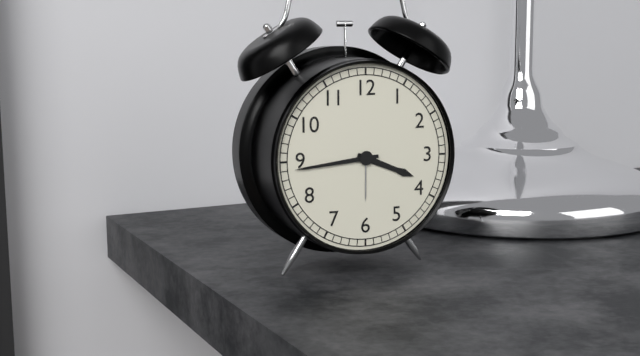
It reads 3:44
